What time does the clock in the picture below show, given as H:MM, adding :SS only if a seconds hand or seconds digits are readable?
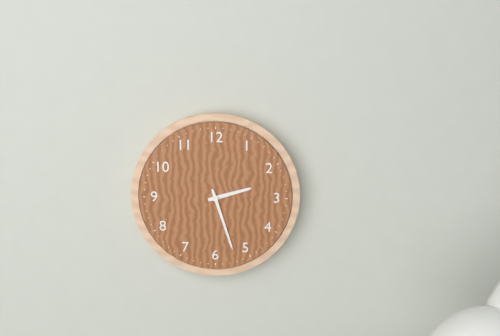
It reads 2:27
